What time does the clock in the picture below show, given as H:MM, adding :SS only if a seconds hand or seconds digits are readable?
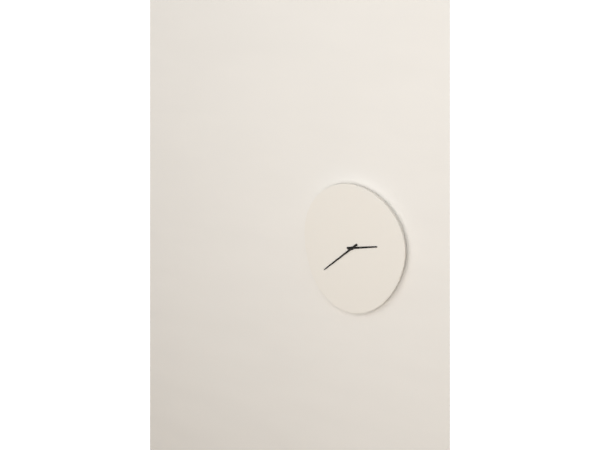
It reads 2:38
